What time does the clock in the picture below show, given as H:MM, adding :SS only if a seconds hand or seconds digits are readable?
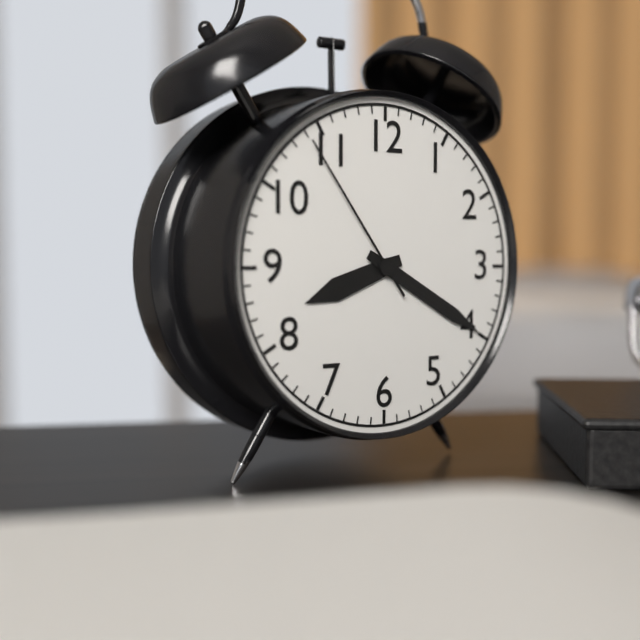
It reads 8:20:54
